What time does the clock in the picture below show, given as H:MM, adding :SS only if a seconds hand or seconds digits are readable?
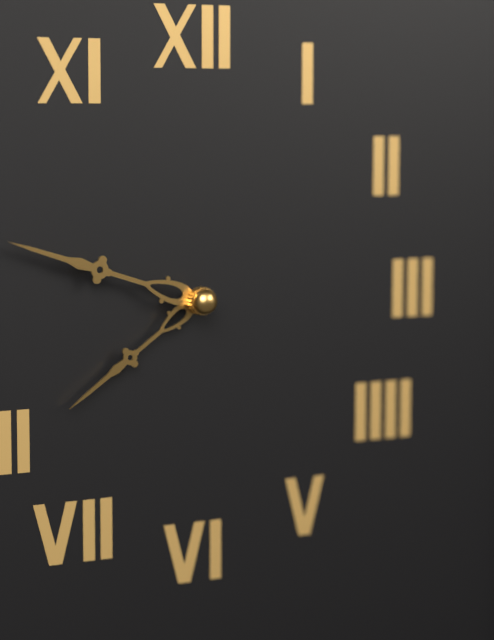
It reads 7:48
